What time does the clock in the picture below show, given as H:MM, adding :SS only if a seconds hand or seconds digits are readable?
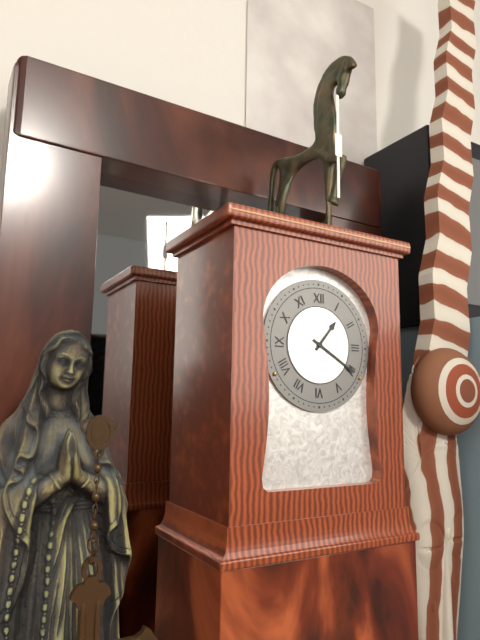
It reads 1:20
